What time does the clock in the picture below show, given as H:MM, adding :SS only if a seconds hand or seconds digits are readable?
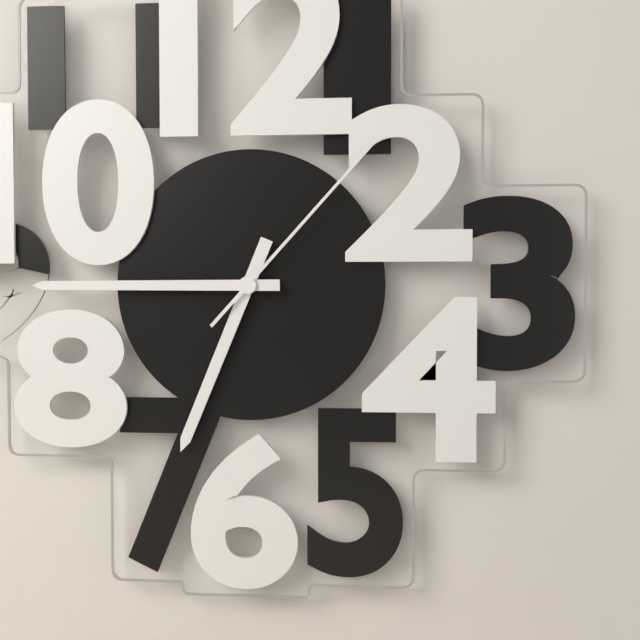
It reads 6:45:07
